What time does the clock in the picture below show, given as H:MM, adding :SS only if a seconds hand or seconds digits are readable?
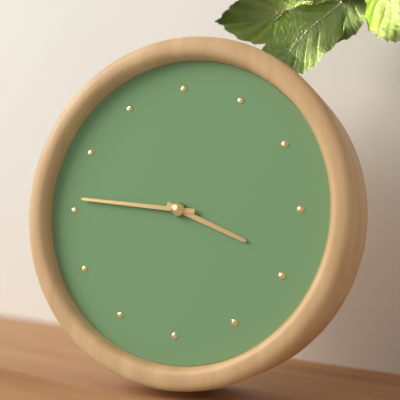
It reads 3:46
